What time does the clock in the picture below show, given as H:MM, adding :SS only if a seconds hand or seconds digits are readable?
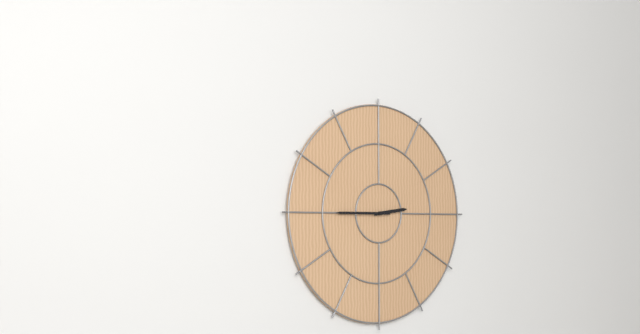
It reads 2:45
